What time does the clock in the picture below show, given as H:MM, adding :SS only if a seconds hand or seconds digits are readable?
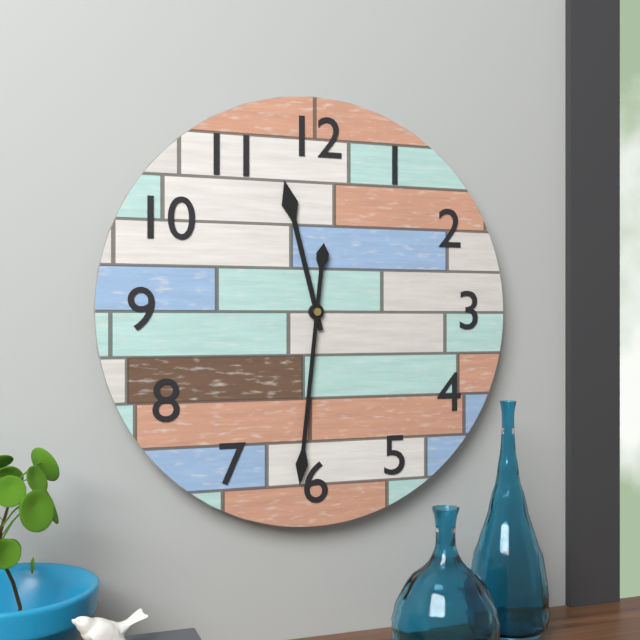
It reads 11:31
